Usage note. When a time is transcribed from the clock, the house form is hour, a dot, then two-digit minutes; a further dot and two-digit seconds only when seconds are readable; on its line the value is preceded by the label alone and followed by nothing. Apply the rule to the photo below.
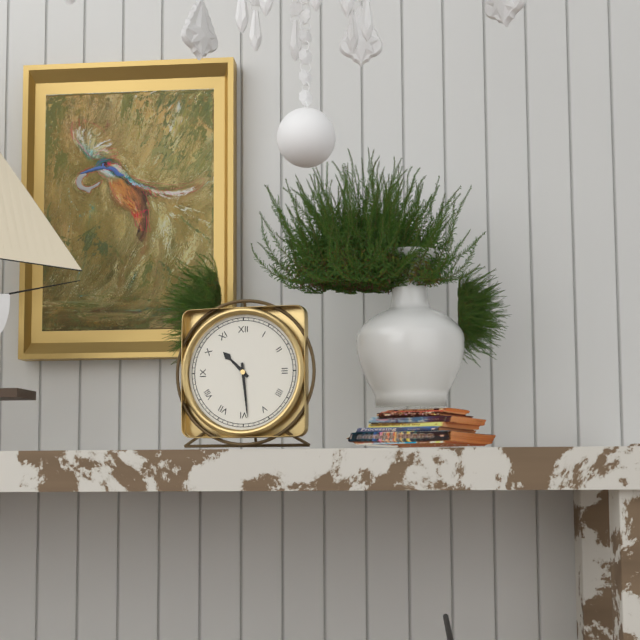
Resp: 10.29
